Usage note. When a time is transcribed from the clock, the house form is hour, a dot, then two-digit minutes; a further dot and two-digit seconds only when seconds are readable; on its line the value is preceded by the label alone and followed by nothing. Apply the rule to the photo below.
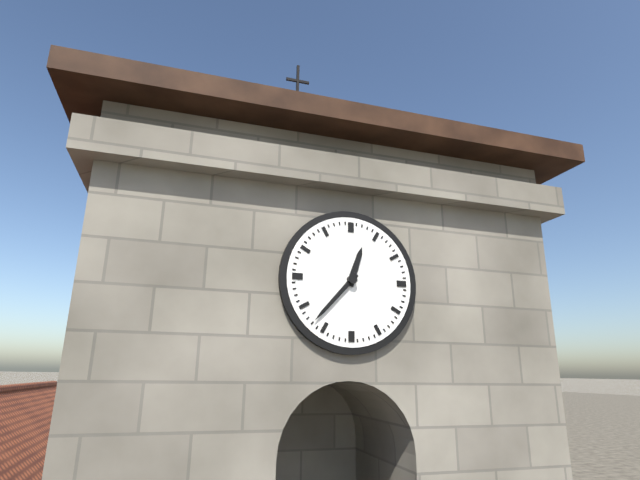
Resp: 12.37
